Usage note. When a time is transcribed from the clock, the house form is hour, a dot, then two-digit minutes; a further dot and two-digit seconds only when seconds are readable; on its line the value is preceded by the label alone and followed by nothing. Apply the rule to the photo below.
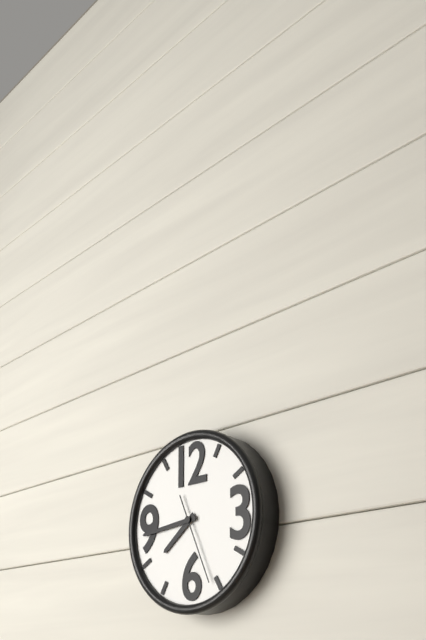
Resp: 7.44.26
